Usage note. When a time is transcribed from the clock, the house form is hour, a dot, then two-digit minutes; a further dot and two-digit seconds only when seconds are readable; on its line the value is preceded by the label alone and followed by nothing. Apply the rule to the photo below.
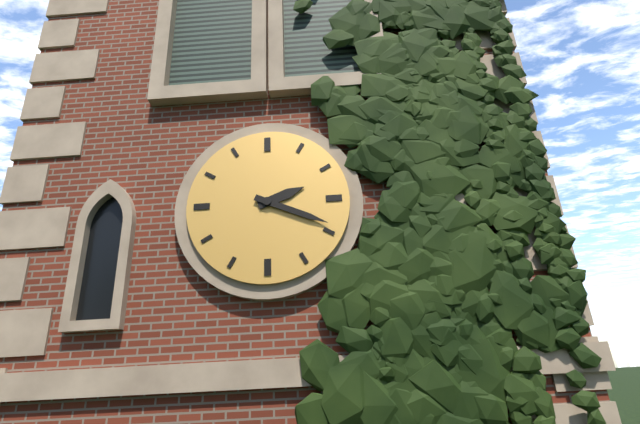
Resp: 2.19
